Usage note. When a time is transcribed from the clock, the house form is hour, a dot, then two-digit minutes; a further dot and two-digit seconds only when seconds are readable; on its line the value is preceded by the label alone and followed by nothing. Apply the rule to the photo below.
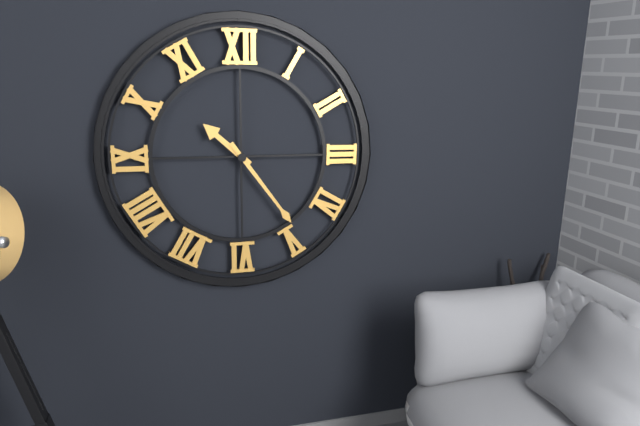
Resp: 10.24
